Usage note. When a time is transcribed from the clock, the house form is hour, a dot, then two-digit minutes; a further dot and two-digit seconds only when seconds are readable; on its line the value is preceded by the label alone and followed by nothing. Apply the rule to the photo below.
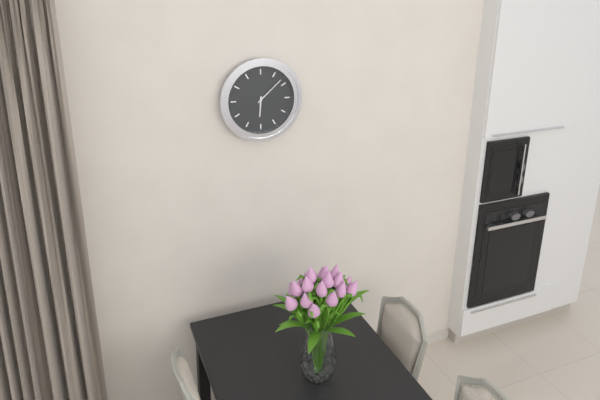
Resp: 6.08
